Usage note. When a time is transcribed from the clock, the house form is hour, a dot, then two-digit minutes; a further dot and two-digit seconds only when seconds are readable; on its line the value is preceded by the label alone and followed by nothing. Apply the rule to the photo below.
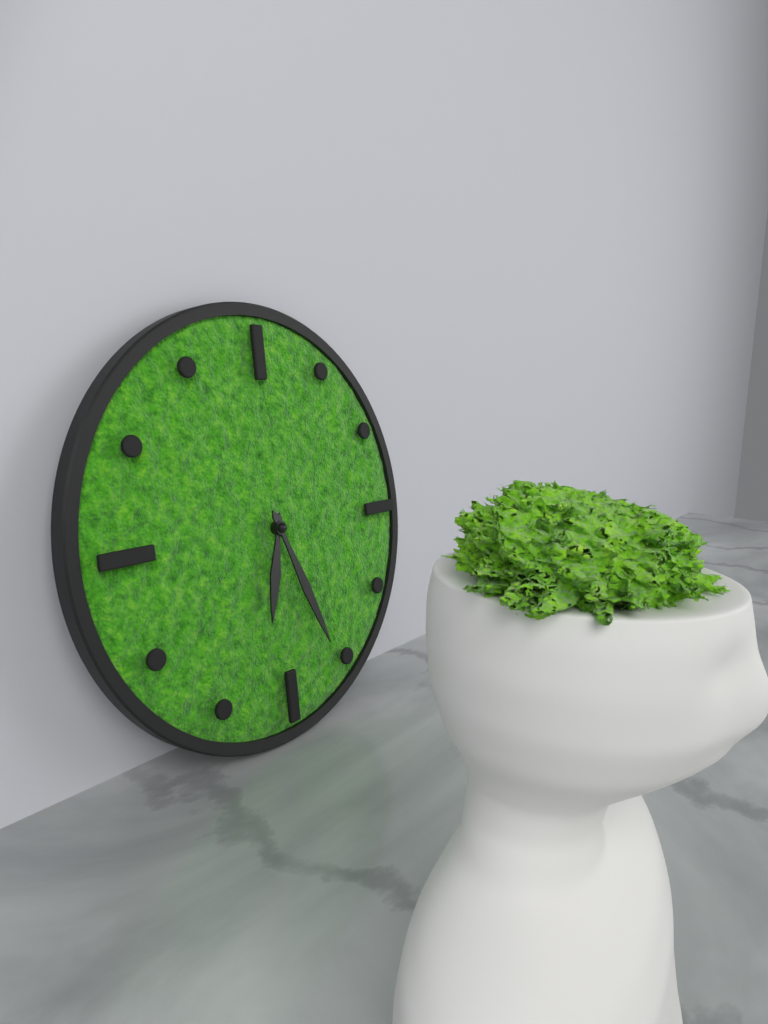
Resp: 6.26
